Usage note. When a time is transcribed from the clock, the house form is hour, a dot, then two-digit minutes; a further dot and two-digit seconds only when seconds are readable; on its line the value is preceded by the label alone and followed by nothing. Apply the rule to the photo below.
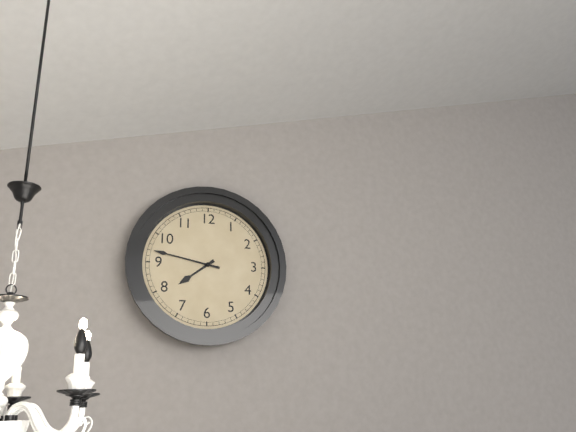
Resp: 7.47
